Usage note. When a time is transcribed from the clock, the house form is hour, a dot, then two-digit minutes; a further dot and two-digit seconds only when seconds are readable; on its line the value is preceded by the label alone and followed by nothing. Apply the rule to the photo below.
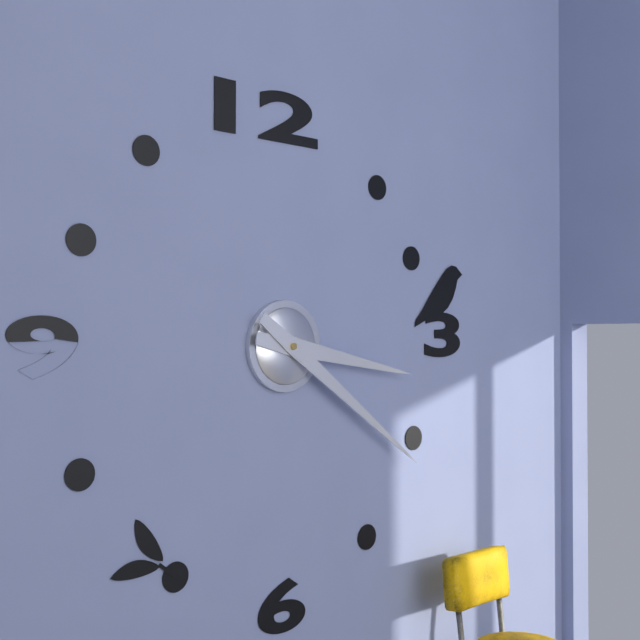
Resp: 3.21
